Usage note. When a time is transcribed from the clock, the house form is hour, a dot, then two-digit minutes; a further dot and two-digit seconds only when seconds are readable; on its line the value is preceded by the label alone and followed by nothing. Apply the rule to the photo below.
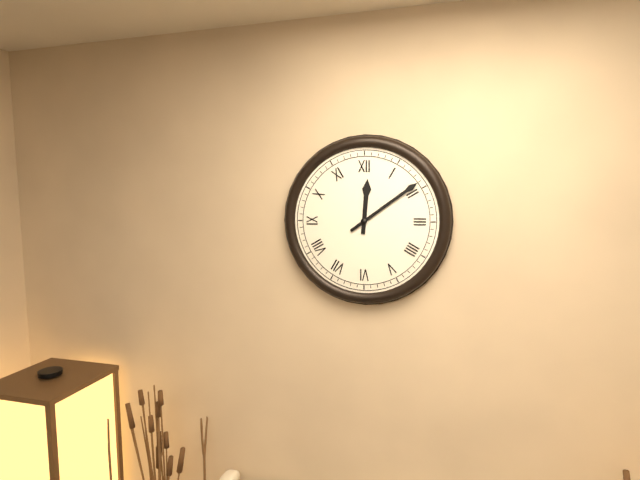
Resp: 12.09
